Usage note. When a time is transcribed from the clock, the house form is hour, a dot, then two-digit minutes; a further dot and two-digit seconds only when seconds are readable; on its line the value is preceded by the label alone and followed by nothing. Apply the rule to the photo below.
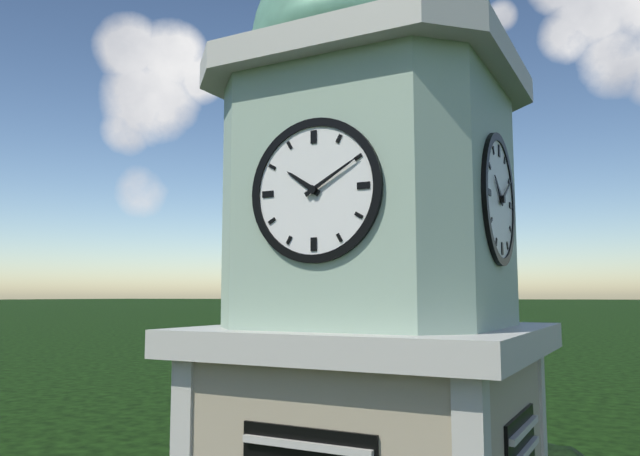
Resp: 10.10
